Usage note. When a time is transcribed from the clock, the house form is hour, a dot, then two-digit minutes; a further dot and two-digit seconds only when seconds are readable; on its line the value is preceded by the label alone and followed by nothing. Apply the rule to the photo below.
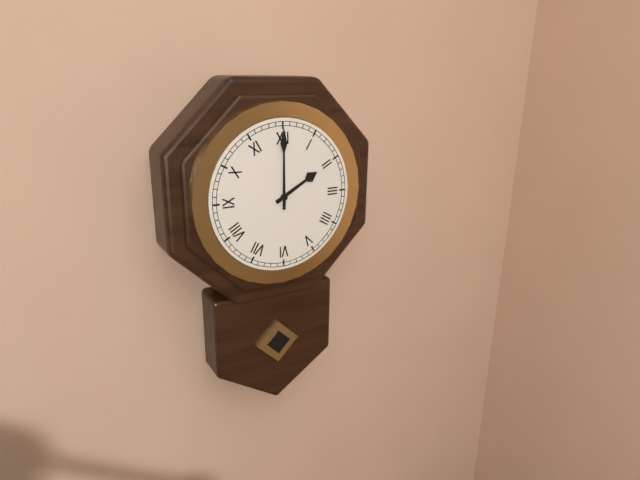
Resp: 2.00
